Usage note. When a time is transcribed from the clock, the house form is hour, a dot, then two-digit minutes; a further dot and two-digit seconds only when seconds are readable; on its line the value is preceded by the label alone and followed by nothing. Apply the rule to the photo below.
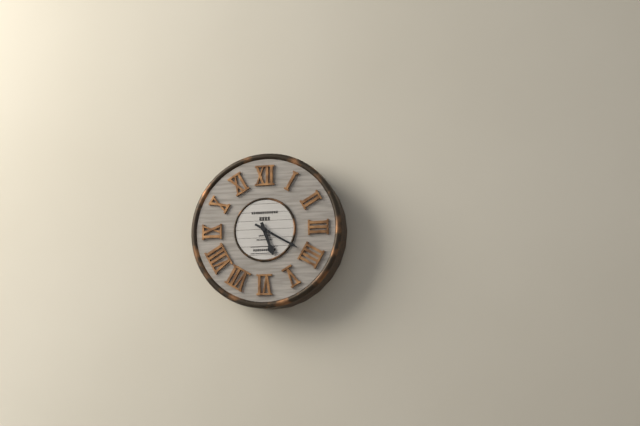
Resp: 5.20
